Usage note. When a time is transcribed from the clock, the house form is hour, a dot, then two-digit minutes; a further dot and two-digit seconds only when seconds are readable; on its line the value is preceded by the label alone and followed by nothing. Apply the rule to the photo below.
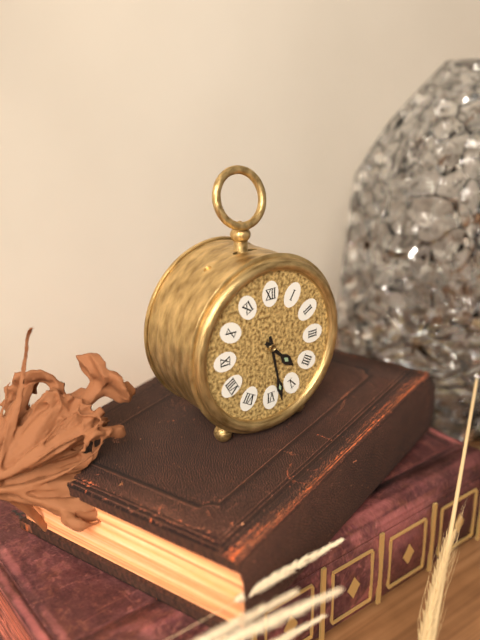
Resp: 4.28
